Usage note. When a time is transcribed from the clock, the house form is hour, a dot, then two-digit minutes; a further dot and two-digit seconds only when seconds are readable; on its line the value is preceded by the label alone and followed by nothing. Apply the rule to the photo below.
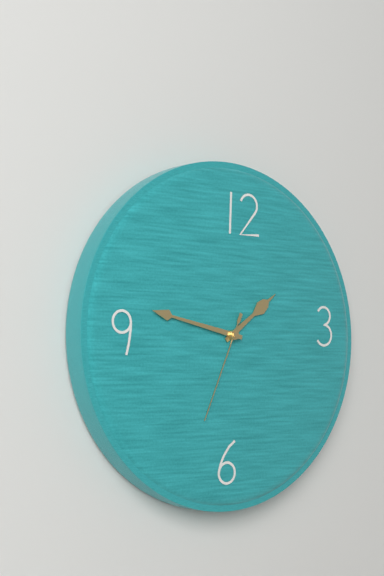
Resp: 1.47.34
